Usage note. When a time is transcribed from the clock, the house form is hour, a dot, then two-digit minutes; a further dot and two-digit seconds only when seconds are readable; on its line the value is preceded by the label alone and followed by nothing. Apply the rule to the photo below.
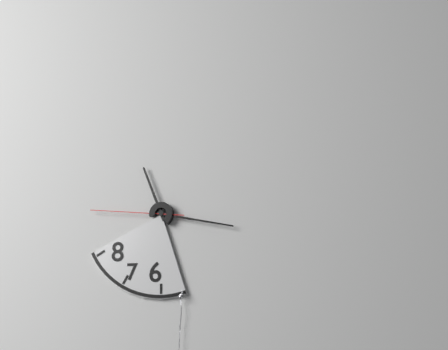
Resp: 11.17.46
